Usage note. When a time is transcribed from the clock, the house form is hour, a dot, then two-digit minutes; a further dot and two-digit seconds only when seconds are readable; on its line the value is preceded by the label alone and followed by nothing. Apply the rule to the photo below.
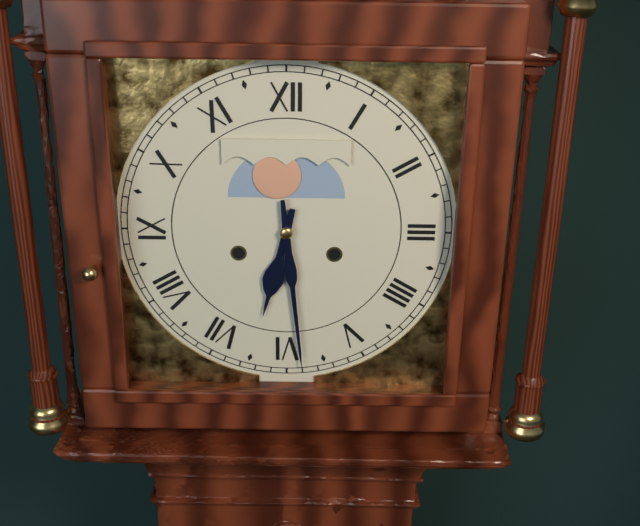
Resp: 6.29
